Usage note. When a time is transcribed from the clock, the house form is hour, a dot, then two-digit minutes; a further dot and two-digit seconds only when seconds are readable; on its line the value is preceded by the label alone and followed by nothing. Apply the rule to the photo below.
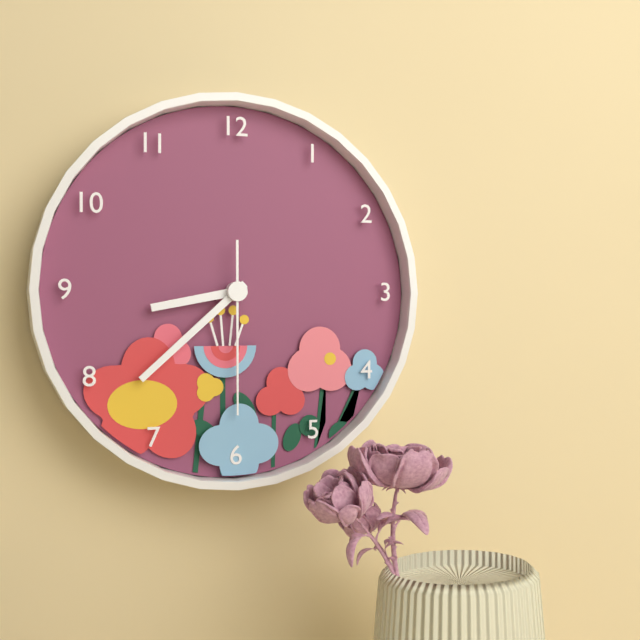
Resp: 8.38.30
